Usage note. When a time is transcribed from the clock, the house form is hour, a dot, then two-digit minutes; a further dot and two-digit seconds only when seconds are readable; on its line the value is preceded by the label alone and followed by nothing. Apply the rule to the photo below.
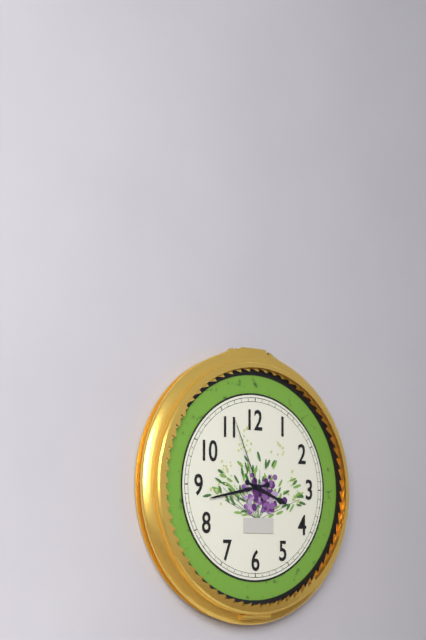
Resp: 3.43.56
